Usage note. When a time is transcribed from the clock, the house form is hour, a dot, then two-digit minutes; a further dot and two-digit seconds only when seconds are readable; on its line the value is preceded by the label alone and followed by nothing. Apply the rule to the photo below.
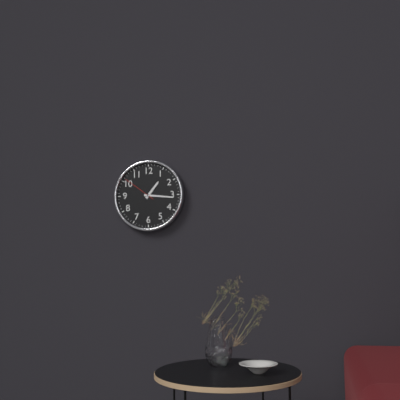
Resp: 1.16
